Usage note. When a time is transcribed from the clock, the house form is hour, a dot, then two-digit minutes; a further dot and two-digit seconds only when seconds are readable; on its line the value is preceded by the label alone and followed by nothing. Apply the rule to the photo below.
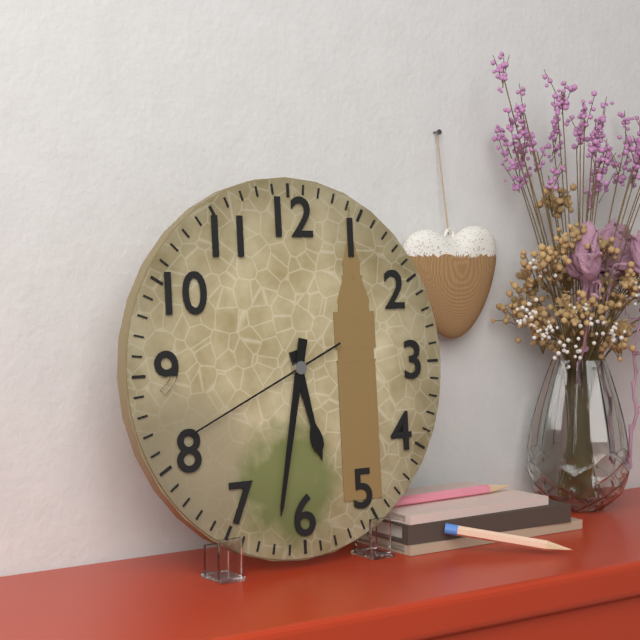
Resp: 5.32.41
